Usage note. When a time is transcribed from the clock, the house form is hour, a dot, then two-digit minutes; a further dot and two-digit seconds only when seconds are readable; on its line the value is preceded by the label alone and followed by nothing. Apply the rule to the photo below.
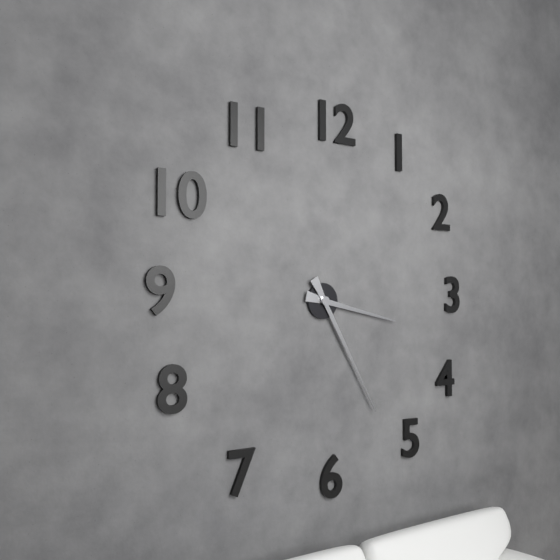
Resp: 3.25
